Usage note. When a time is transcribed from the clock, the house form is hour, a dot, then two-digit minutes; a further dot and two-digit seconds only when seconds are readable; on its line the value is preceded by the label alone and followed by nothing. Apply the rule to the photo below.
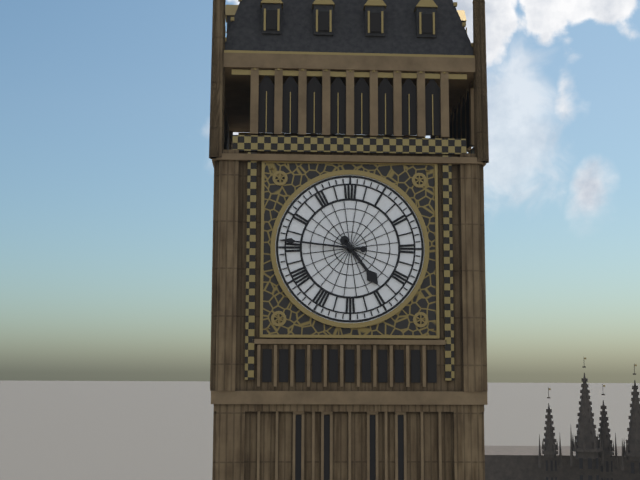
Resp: 4.46
